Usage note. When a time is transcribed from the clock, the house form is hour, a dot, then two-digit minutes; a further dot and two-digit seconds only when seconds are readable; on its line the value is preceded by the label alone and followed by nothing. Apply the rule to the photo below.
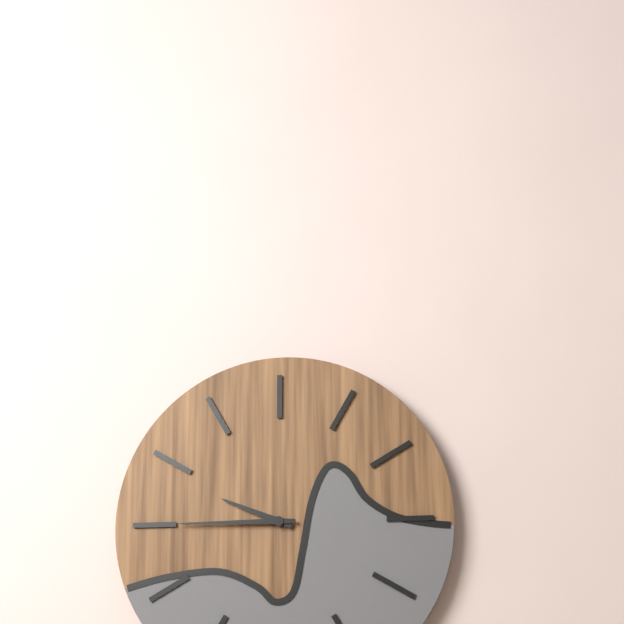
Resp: 9.45
